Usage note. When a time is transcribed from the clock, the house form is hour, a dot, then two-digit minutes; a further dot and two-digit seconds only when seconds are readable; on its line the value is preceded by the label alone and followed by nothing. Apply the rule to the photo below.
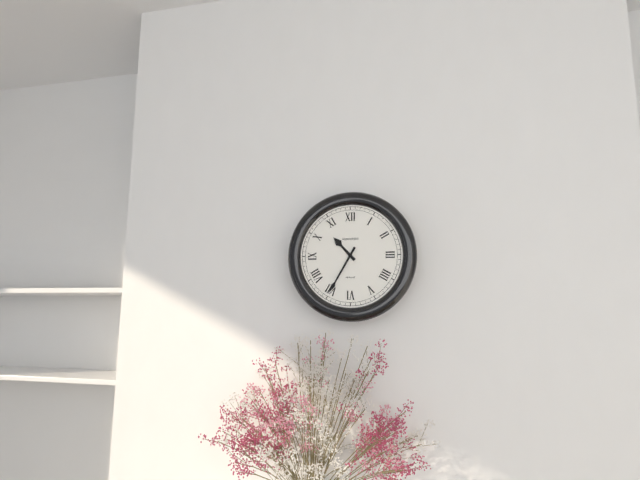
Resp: 10.35
